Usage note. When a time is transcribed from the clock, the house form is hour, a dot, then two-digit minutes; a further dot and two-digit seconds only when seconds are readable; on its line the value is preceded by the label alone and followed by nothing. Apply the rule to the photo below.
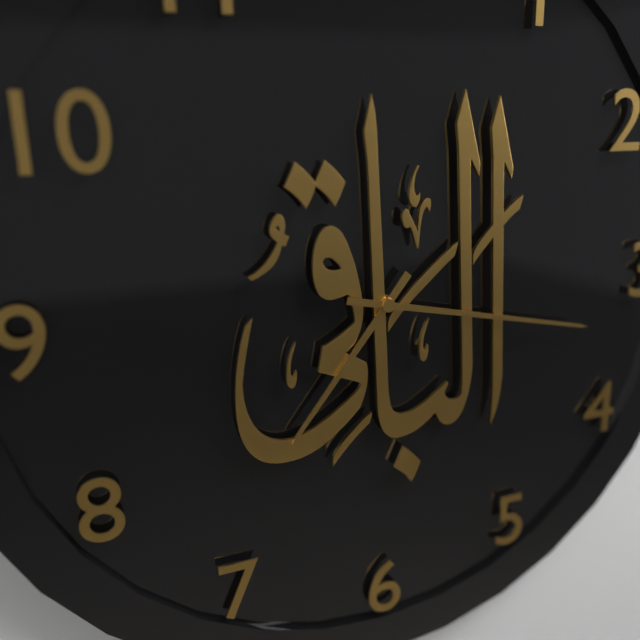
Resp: 7.17
